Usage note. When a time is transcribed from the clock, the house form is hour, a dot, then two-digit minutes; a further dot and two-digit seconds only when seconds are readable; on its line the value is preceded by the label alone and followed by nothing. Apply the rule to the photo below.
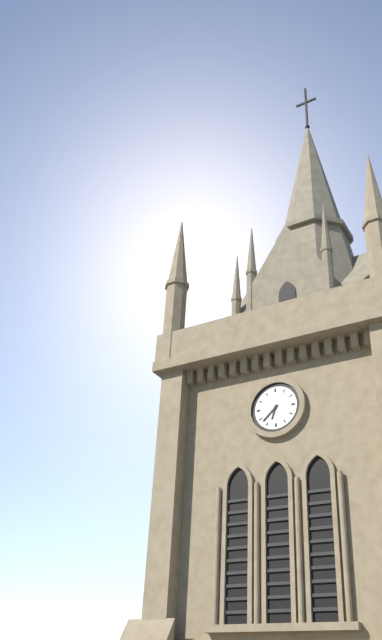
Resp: 6.38
